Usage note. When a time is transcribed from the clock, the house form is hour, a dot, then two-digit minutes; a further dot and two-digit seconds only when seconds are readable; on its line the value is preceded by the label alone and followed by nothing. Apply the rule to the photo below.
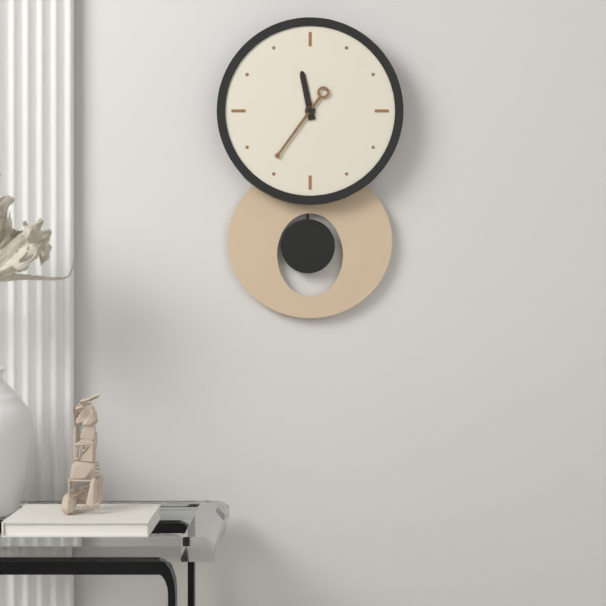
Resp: 11.36
